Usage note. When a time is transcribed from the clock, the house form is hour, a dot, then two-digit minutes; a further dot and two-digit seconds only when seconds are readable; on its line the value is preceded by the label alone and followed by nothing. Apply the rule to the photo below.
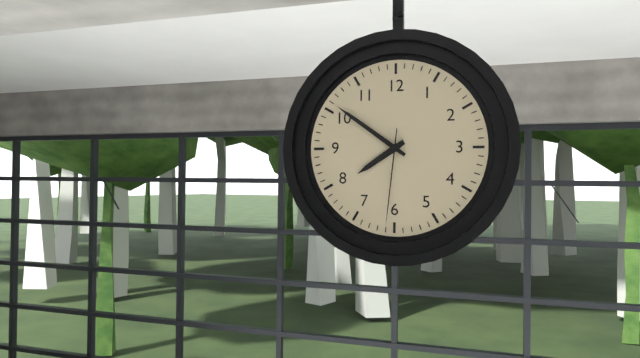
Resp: 7.51.31
